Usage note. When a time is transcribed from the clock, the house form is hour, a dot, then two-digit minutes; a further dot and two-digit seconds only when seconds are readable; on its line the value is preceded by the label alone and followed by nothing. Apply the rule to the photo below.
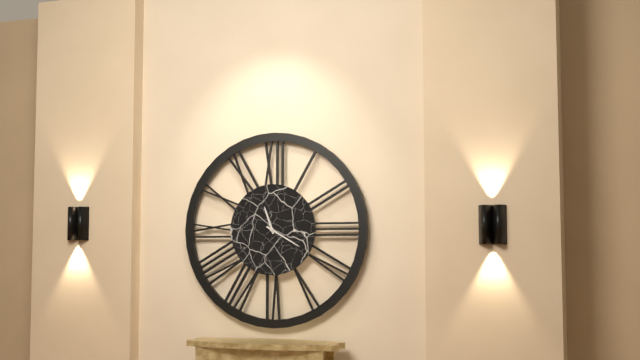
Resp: 11.20
